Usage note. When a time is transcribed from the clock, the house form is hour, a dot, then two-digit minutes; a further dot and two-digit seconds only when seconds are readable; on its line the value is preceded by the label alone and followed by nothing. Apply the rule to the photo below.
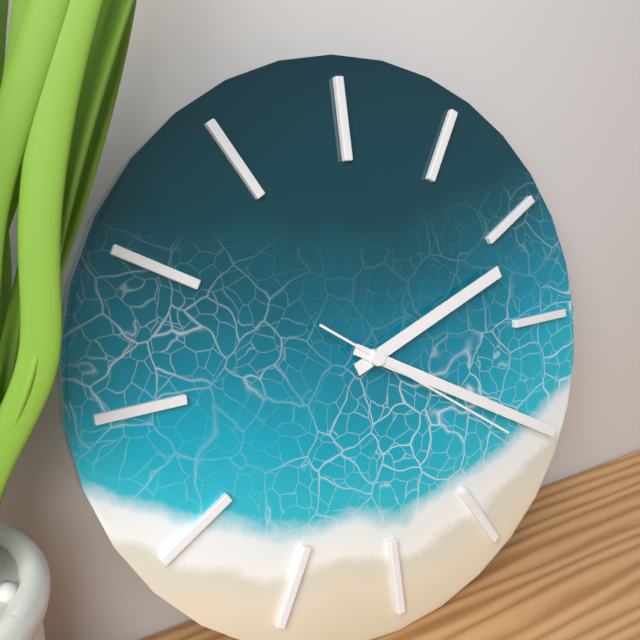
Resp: 2.20.21
